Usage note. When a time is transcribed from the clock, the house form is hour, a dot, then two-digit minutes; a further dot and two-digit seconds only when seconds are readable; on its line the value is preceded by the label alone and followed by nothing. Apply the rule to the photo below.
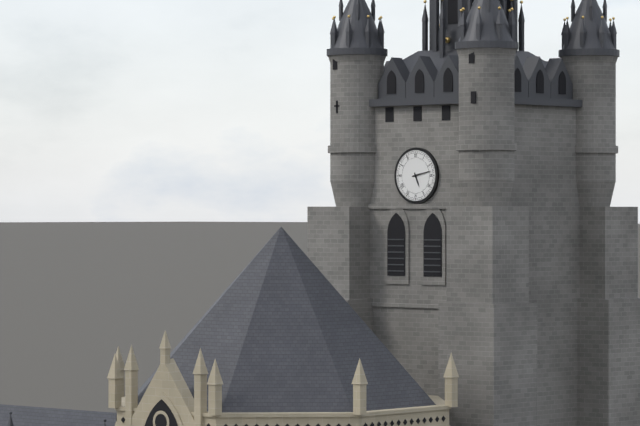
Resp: 5.13
